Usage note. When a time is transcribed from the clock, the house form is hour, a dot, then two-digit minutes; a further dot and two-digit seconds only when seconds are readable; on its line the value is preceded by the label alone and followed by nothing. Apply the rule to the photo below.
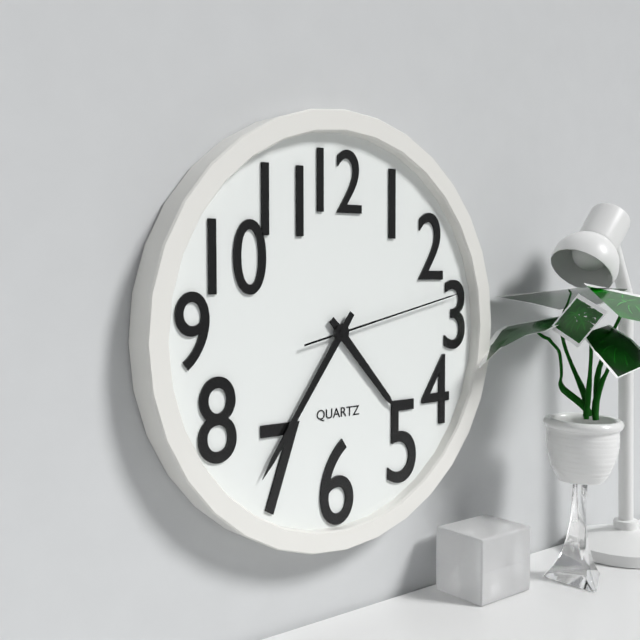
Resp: 4.36.13
